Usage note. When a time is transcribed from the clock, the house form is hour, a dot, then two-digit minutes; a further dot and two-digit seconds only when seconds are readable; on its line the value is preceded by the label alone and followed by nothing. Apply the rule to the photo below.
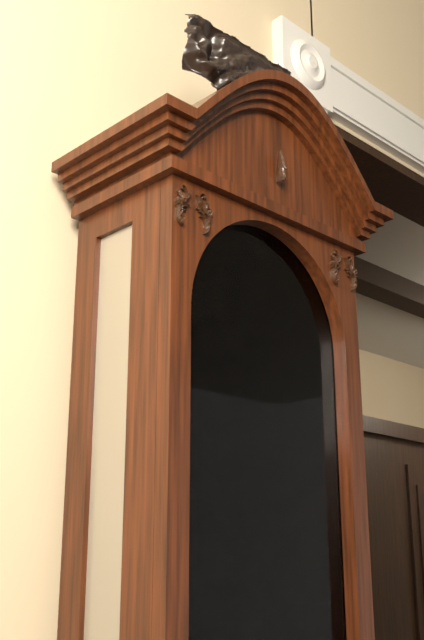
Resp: 4.43
